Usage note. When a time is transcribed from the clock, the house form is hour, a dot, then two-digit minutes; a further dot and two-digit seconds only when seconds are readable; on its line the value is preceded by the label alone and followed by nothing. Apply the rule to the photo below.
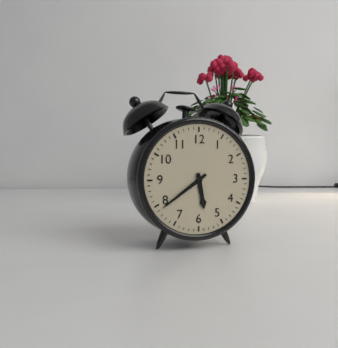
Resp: 5.39
